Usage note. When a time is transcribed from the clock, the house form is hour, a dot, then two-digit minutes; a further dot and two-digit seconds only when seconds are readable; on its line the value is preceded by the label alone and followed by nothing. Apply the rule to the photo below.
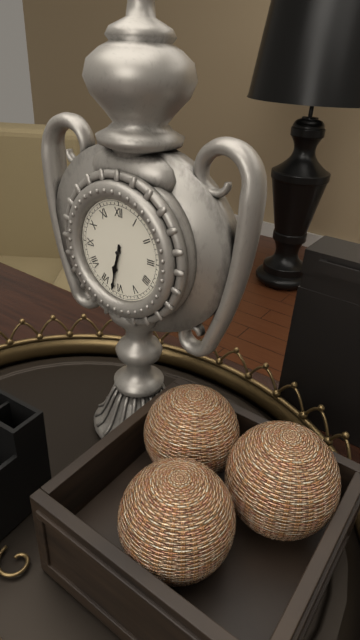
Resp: 6.32
